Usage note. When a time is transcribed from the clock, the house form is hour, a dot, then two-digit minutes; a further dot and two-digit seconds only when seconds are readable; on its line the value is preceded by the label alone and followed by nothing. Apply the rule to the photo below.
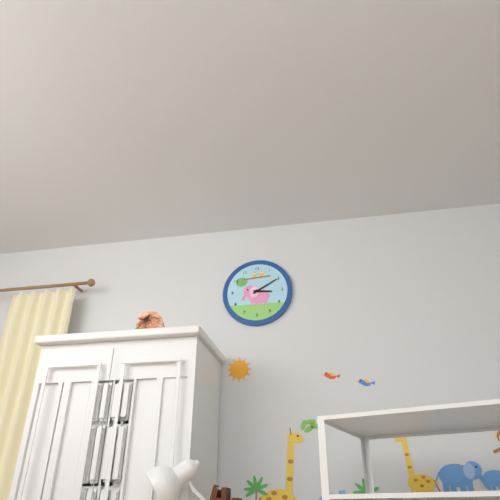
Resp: 3.10
